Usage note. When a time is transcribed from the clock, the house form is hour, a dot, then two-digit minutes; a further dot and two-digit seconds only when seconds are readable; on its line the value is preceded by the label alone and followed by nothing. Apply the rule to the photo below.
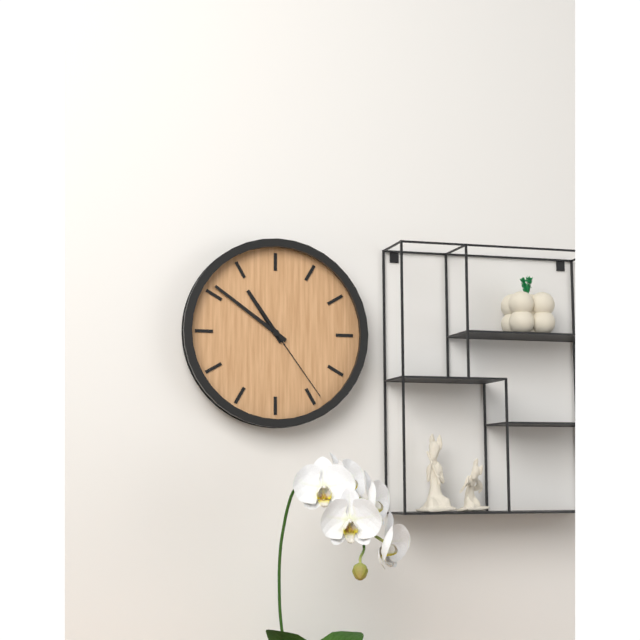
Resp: 10.51.24
